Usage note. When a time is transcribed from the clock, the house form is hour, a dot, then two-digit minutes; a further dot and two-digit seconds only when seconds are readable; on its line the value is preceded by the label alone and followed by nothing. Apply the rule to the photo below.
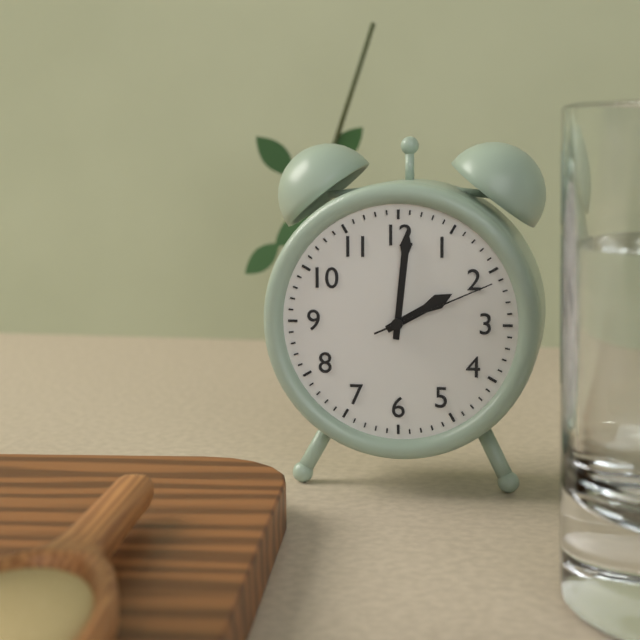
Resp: 2.01.11
